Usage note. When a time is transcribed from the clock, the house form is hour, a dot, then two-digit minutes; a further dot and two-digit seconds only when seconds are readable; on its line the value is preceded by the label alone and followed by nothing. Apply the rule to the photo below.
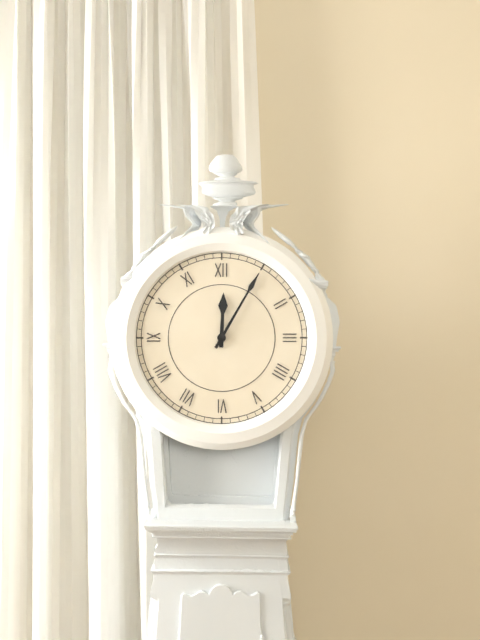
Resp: 12.05
